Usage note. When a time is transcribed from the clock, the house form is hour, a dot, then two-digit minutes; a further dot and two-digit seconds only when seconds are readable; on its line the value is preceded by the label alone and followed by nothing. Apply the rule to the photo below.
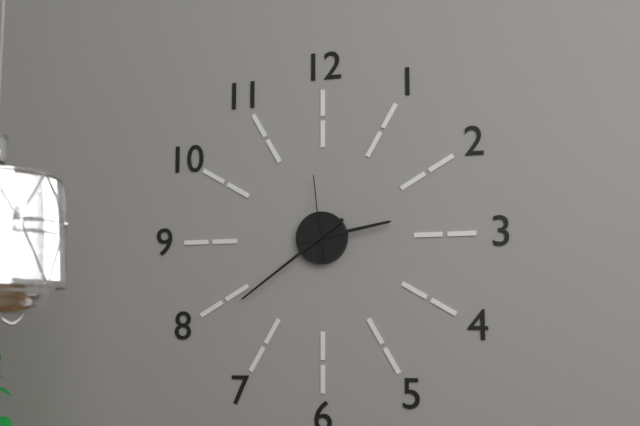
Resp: 2.39.59
